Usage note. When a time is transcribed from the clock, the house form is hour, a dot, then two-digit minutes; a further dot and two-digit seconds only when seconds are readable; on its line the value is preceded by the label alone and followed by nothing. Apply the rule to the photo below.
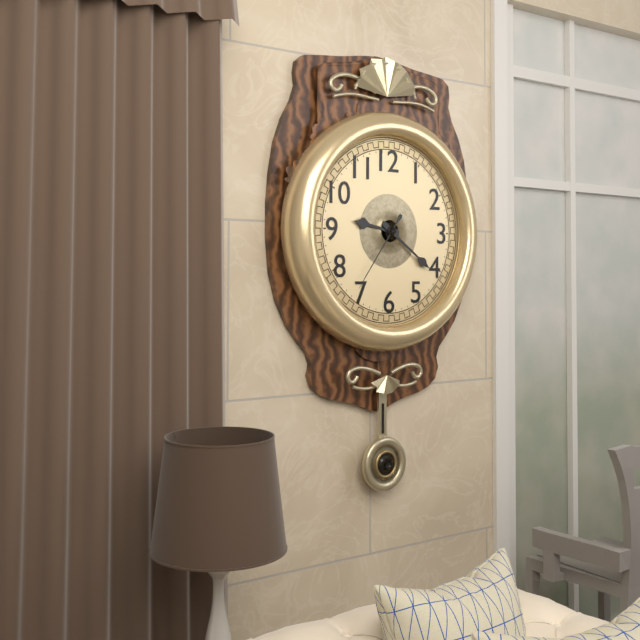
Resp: 9.21.36
